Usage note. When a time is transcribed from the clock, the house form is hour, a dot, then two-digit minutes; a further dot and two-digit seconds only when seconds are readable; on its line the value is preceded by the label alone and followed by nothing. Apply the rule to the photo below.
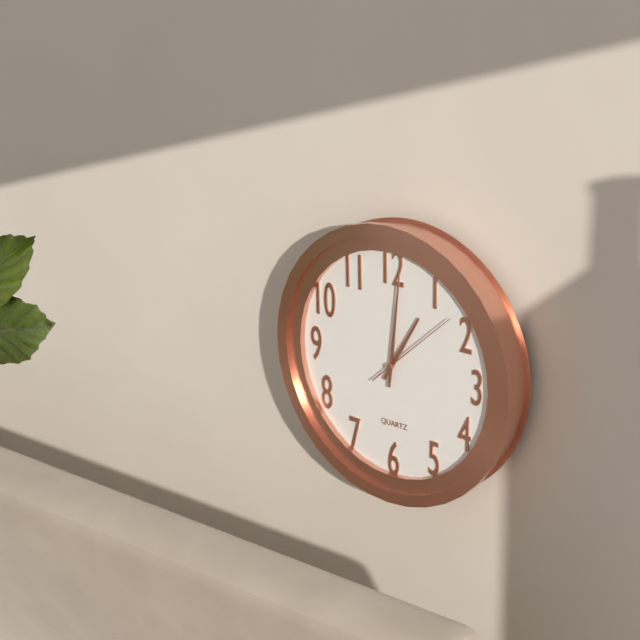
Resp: 1.01.08
